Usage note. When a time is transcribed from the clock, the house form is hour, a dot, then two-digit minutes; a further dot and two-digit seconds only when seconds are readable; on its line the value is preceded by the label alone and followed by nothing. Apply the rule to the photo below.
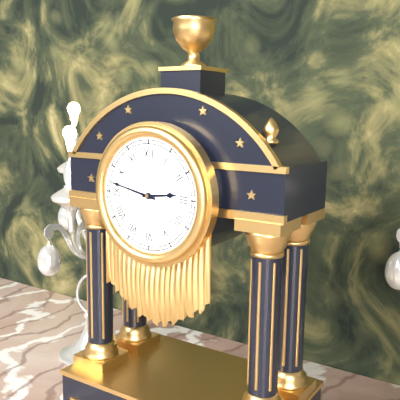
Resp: 2.47
